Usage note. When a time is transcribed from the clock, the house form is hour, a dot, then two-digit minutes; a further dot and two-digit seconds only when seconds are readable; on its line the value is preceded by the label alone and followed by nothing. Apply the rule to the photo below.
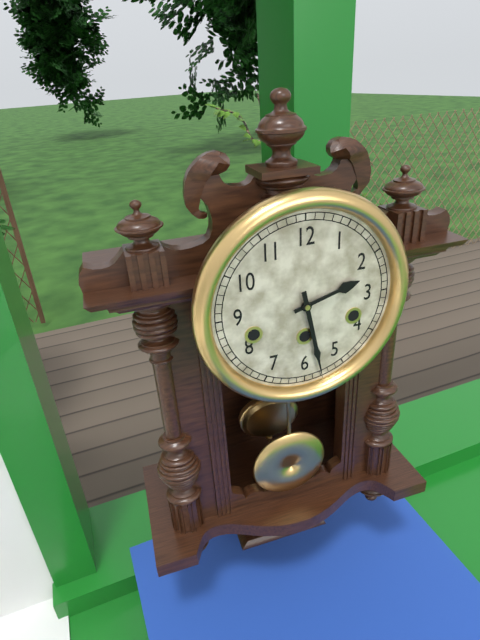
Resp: 2.28
